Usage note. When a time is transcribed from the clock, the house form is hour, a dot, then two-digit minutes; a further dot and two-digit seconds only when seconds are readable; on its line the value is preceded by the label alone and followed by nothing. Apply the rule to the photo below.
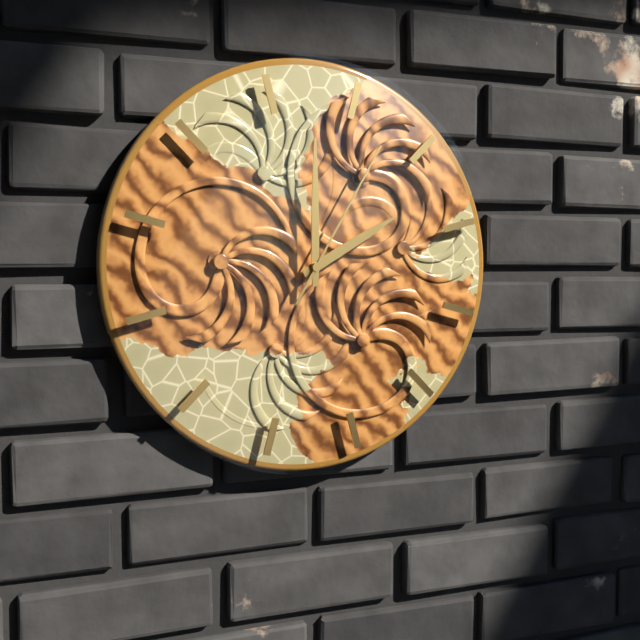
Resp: 2.00.05
